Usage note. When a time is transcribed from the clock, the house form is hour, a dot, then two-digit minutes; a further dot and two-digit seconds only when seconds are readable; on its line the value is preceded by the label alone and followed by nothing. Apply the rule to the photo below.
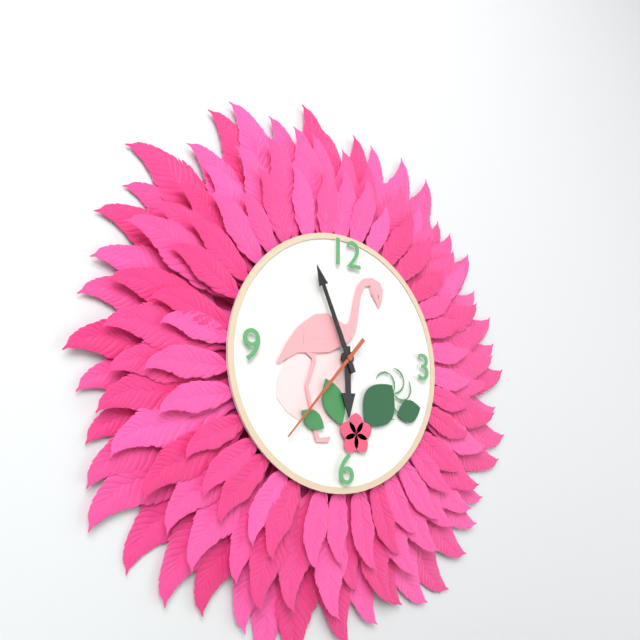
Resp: 5.56.37
